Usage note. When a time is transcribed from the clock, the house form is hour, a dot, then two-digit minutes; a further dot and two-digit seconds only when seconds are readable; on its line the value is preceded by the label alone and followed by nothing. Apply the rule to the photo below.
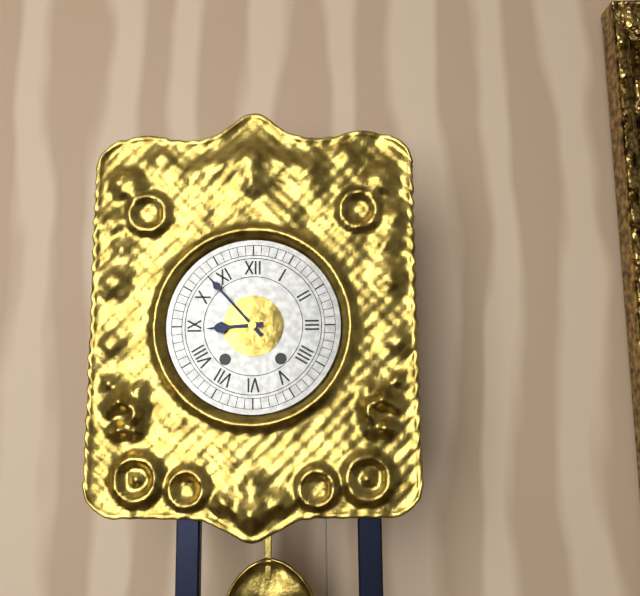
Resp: 8.53
